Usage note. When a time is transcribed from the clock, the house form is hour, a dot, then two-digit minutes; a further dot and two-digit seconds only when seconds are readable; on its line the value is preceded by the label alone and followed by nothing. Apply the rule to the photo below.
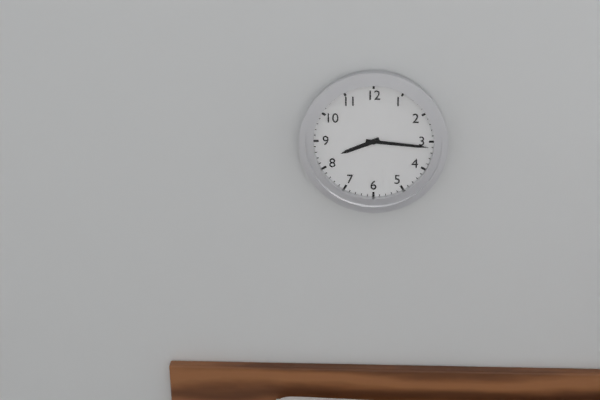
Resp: 8.16
